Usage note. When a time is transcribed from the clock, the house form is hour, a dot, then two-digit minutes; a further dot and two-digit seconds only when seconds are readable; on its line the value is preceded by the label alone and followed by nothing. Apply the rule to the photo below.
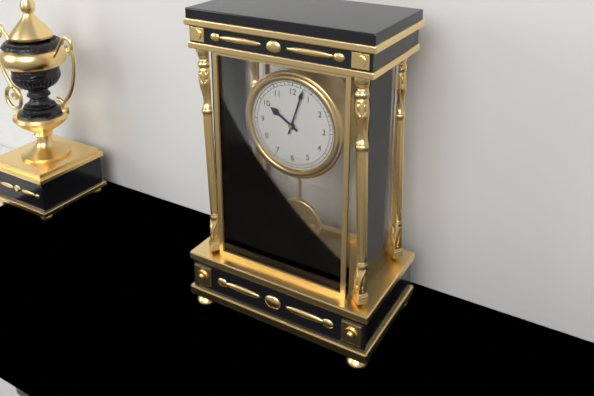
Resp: 10.03
